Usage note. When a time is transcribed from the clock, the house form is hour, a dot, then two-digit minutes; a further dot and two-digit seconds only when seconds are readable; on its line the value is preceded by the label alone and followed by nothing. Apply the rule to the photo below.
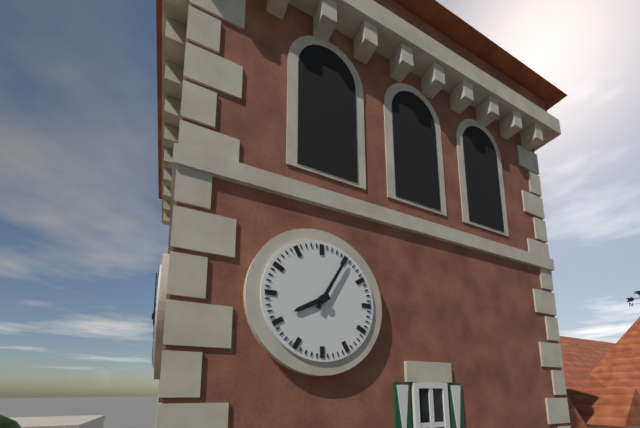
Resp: 8.05
